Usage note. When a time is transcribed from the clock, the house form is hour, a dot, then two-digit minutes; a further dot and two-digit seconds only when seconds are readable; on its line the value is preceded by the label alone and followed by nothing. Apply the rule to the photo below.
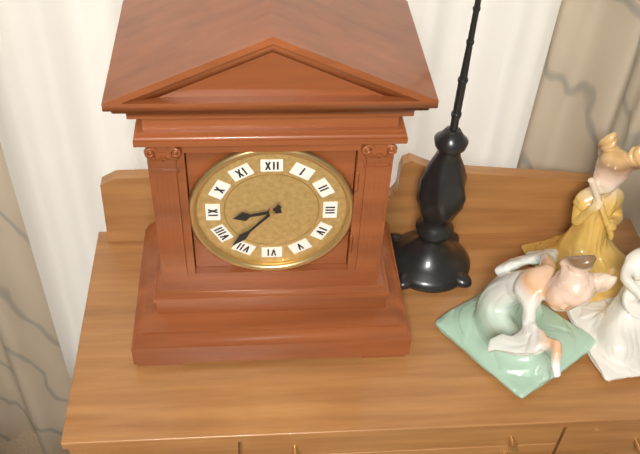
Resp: 8.37
